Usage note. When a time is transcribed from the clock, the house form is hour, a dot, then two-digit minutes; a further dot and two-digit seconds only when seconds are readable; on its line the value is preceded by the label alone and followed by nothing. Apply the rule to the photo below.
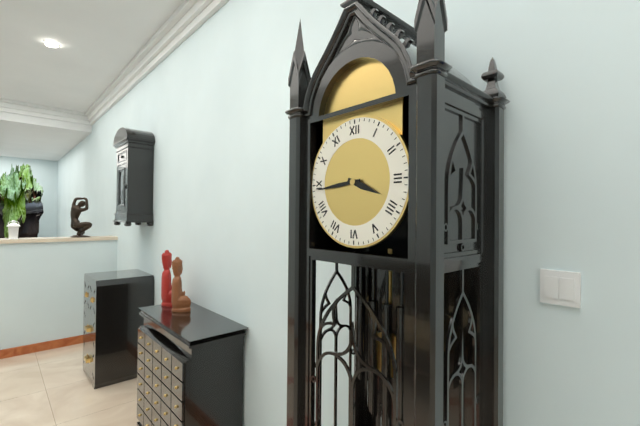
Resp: 3.44
